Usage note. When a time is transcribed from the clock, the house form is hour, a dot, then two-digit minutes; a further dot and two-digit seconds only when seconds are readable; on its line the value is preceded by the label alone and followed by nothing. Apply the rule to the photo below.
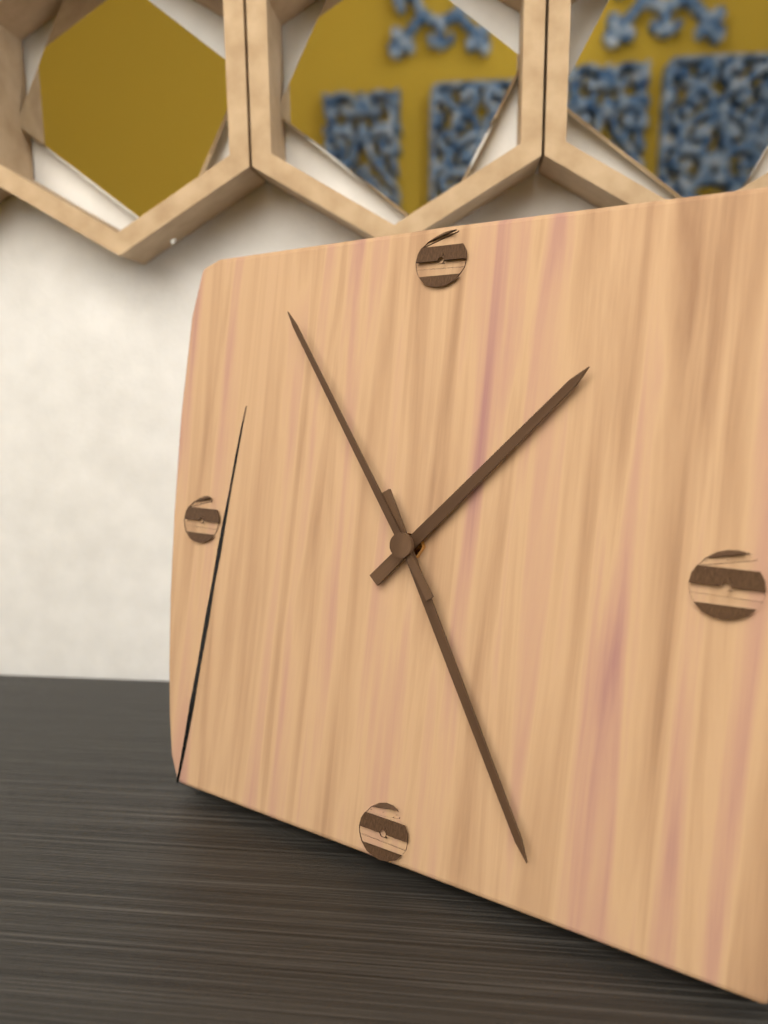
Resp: 1.25.54
